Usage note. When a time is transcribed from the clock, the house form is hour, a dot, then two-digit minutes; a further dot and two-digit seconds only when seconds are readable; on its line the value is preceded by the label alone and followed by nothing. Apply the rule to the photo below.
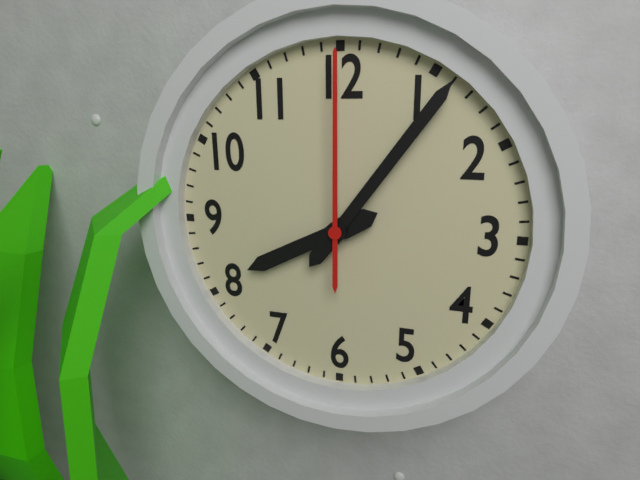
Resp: 8.06.00
